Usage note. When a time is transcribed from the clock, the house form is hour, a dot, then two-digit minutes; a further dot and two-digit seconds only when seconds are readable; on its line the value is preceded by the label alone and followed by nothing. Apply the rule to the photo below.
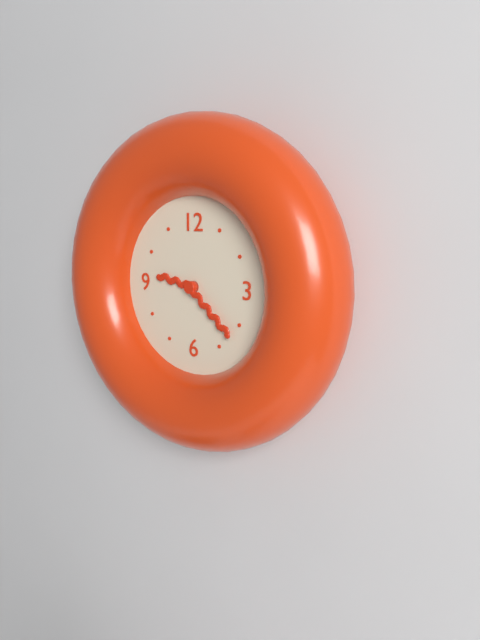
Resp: 9.22
